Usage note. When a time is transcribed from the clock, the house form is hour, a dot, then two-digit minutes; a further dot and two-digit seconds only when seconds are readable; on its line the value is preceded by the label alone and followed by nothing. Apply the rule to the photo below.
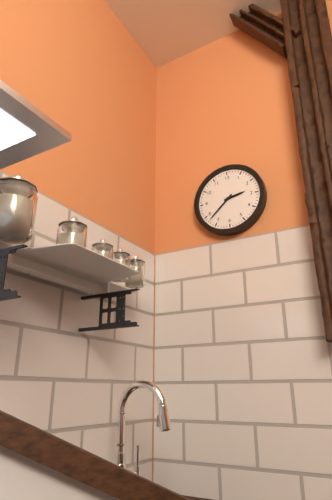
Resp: 2.38
